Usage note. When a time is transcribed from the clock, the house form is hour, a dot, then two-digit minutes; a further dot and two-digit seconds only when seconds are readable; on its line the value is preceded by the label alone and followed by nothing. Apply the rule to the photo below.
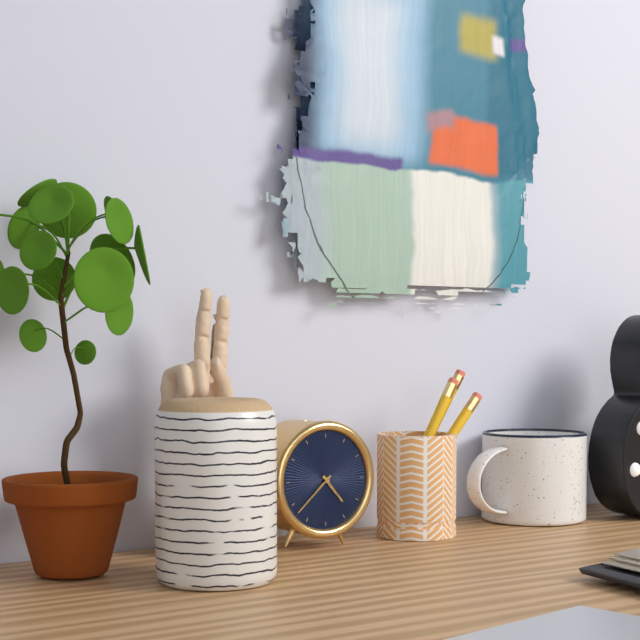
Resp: 4.38
